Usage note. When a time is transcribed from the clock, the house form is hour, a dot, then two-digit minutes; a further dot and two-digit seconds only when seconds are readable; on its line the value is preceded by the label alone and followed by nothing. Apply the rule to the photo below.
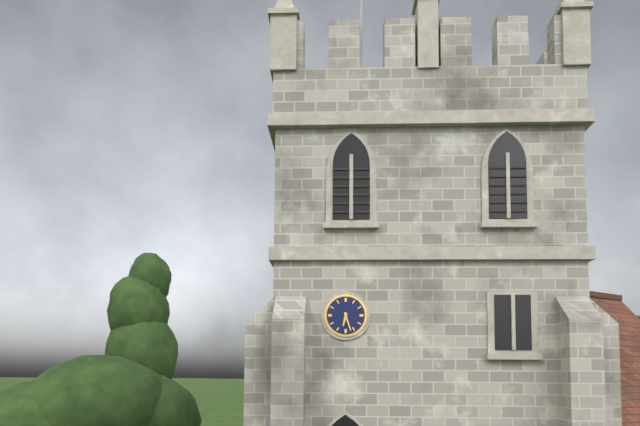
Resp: 6.27
